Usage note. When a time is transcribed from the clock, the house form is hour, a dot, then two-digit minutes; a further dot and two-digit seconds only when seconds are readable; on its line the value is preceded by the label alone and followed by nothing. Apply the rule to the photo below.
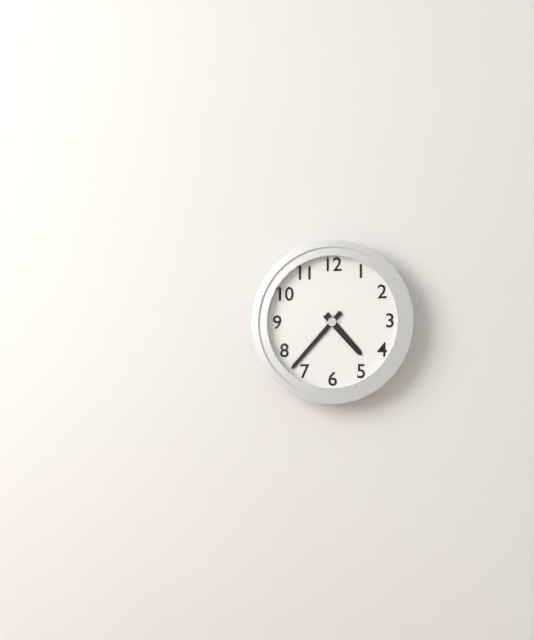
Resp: 4.37
